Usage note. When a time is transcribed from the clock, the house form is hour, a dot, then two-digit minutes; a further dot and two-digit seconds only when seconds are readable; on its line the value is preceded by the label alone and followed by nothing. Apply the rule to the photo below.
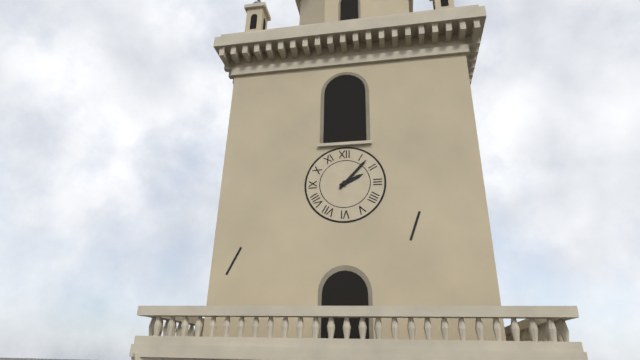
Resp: 2.07
